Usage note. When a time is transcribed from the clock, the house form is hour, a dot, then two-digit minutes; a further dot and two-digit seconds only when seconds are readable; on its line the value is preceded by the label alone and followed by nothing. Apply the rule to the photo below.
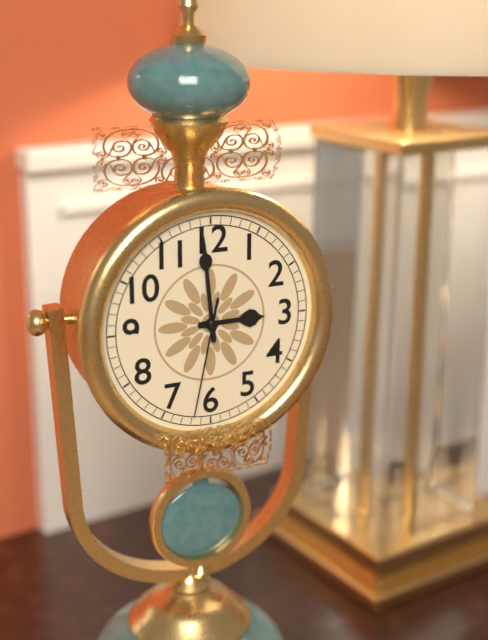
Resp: 2.59.32
